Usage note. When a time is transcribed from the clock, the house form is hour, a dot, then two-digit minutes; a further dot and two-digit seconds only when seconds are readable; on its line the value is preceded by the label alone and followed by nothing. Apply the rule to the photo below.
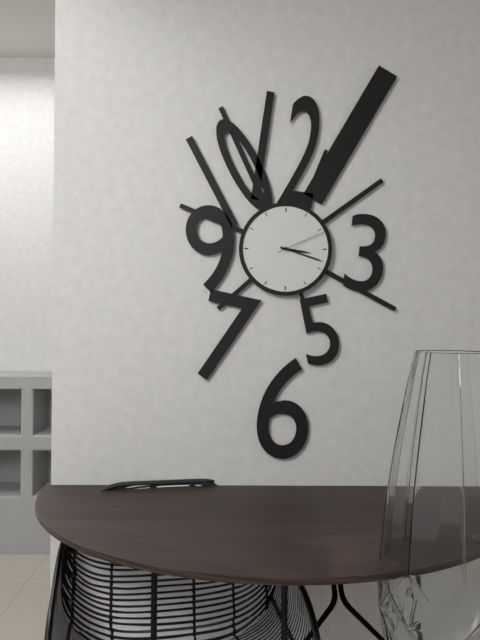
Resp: 3.18.11
